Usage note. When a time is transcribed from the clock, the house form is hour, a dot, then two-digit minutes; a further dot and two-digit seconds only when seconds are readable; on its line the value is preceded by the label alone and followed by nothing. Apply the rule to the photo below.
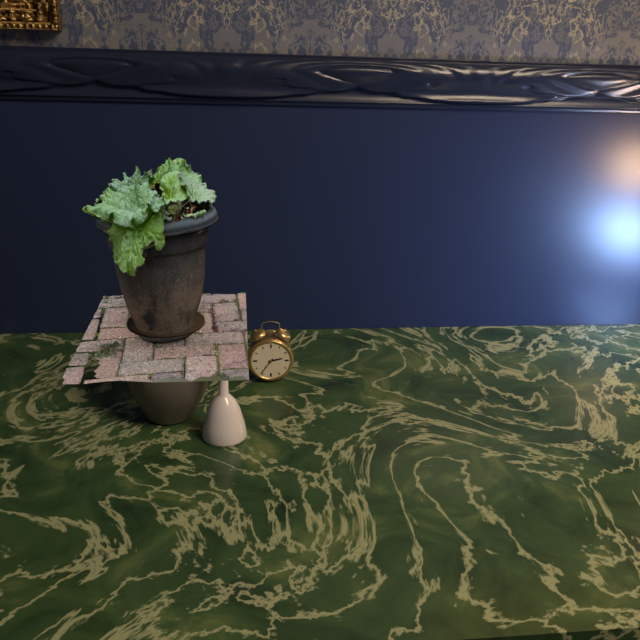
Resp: 2.36
